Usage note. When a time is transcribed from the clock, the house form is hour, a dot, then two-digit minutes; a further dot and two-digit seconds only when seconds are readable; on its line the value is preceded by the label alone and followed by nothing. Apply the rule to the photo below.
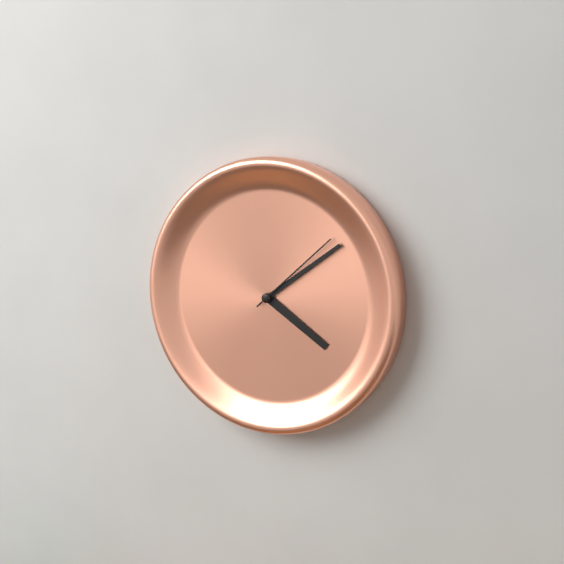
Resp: 4.09.08
